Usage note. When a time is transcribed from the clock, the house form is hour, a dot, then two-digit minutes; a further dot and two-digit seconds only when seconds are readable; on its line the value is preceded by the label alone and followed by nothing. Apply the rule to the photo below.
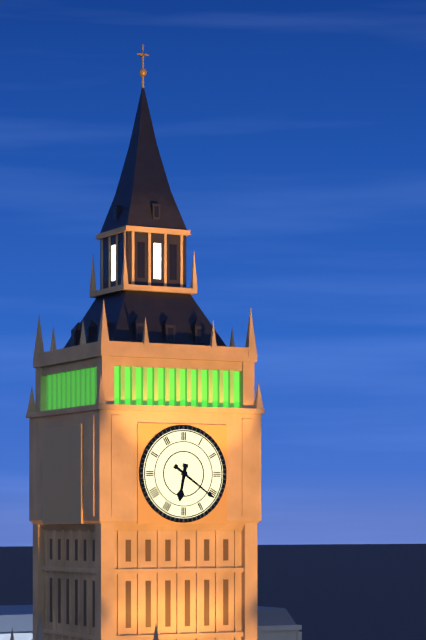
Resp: 6.21
